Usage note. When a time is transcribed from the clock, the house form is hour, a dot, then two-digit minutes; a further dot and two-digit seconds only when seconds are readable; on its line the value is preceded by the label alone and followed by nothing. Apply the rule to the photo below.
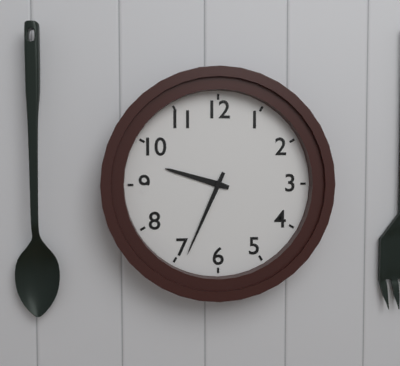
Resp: 9.34
